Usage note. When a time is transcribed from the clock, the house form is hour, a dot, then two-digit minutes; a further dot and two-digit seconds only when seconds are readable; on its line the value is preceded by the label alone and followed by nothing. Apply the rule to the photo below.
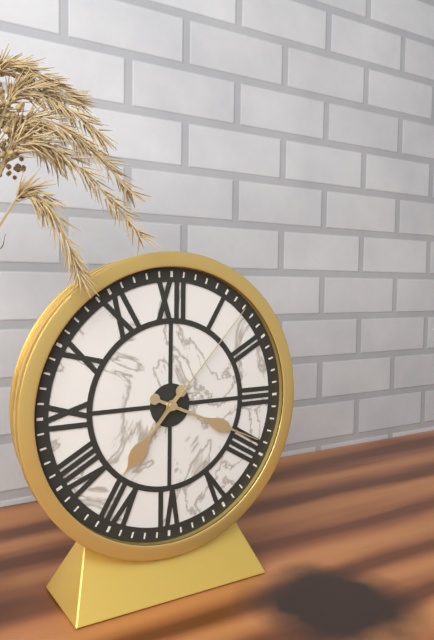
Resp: 7.19.07
